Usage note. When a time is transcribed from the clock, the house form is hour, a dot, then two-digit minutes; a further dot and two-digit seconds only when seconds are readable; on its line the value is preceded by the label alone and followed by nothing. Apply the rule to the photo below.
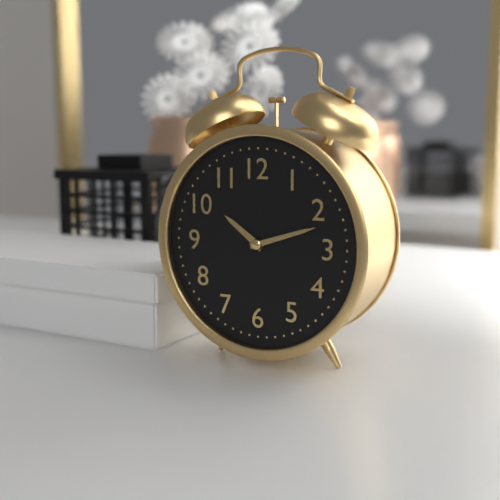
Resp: 10.12
